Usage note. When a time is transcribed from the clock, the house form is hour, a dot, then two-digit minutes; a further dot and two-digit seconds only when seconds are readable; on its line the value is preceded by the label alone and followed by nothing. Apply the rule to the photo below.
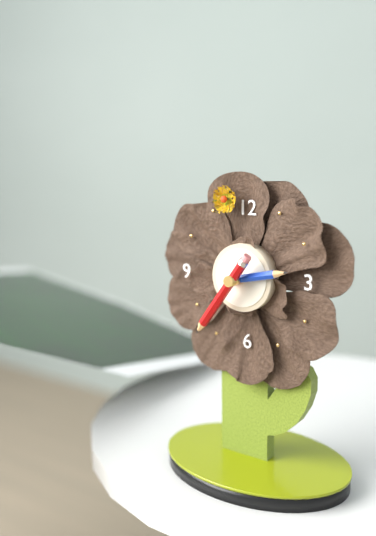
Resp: 2.36
